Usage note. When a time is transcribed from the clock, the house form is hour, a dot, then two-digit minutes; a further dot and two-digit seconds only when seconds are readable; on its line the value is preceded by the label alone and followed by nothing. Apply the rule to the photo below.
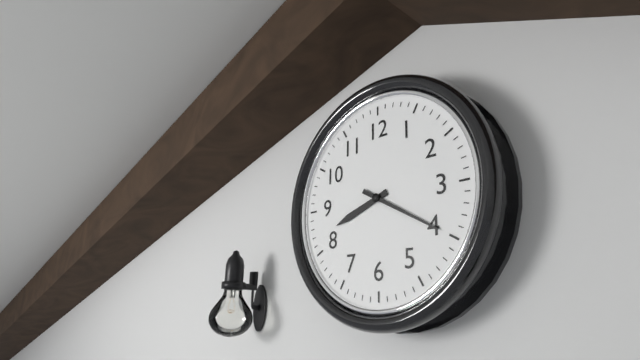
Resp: 8.20
